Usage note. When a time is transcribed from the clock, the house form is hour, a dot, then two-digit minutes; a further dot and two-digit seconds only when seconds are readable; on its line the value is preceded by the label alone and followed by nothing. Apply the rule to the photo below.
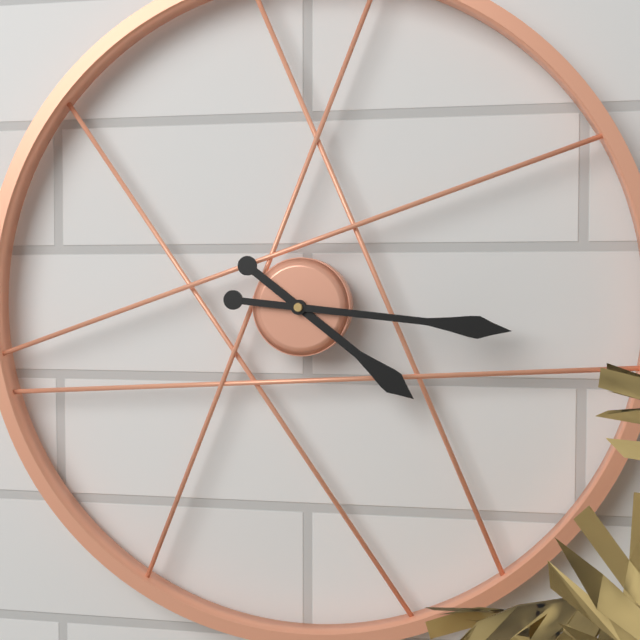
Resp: 4.16
